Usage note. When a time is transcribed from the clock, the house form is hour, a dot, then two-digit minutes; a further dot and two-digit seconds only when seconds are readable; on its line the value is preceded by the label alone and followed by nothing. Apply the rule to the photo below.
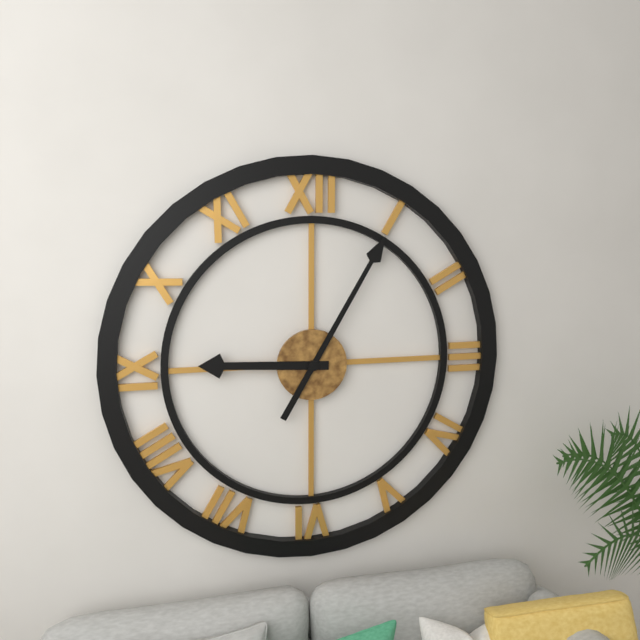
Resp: 9.05
